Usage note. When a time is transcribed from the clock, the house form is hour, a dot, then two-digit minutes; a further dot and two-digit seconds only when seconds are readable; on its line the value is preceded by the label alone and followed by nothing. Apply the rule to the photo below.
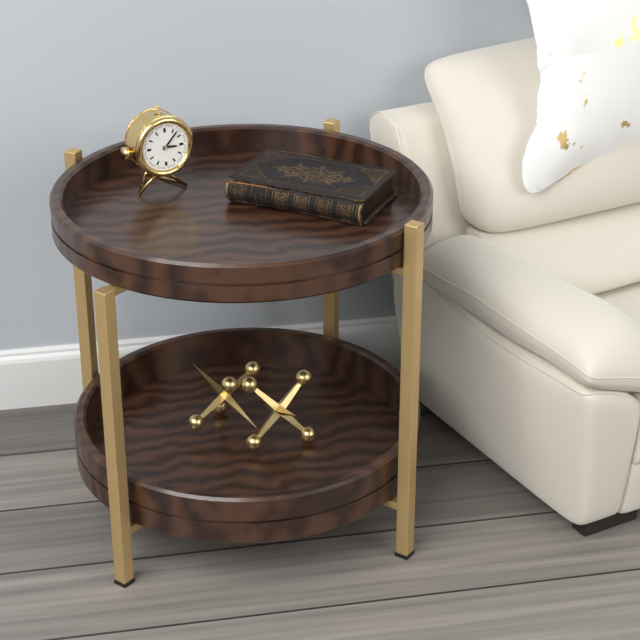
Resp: 3.07
